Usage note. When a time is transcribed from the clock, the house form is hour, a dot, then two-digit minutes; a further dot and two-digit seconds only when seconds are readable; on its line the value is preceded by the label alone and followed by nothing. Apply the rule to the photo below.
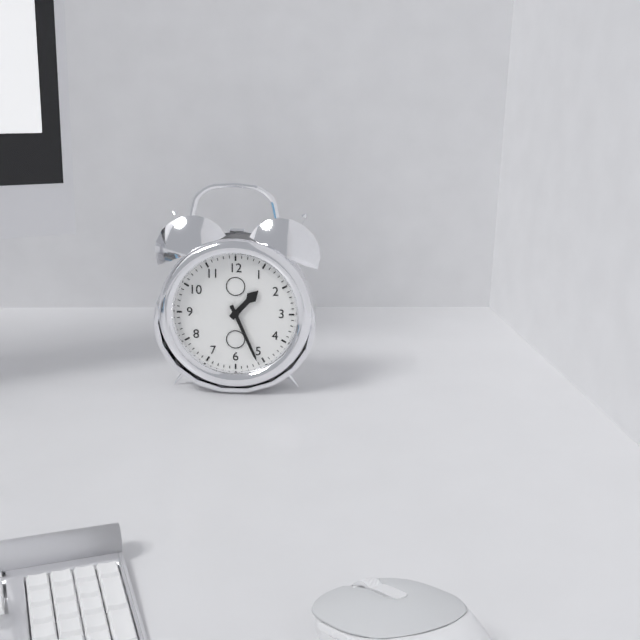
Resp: 1.26
